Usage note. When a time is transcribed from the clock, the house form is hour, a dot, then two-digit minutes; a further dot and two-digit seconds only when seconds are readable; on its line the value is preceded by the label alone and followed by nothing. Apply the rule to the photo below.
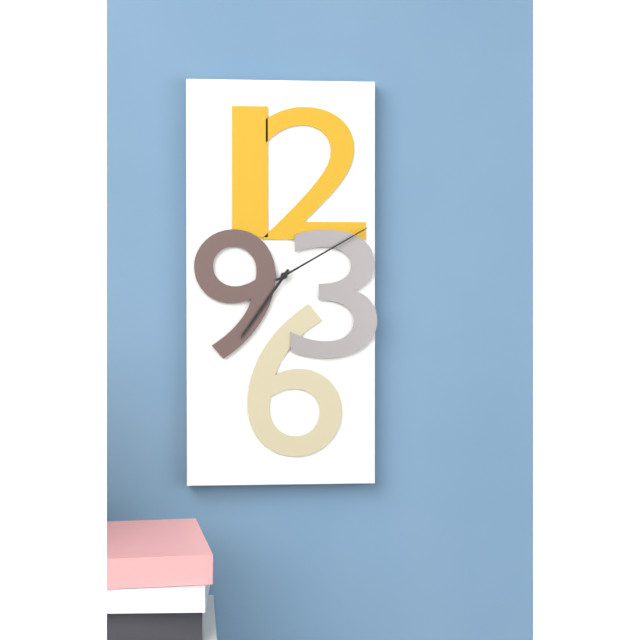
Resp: 7.10
